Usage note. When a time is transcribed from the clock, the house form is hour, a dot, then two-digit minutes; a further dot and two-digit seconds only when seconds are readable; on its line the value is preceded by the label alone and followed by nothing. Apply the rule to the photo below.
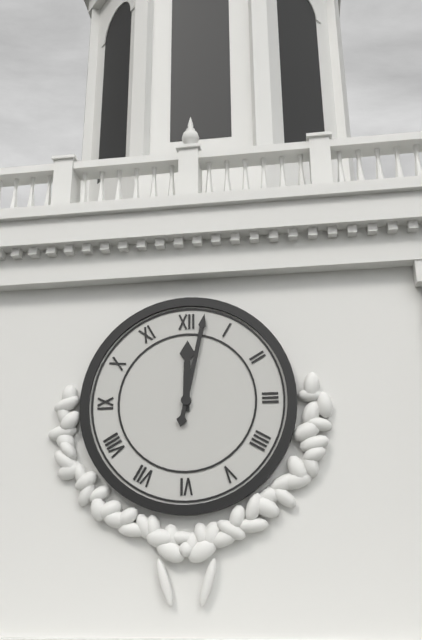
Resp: 12.02
